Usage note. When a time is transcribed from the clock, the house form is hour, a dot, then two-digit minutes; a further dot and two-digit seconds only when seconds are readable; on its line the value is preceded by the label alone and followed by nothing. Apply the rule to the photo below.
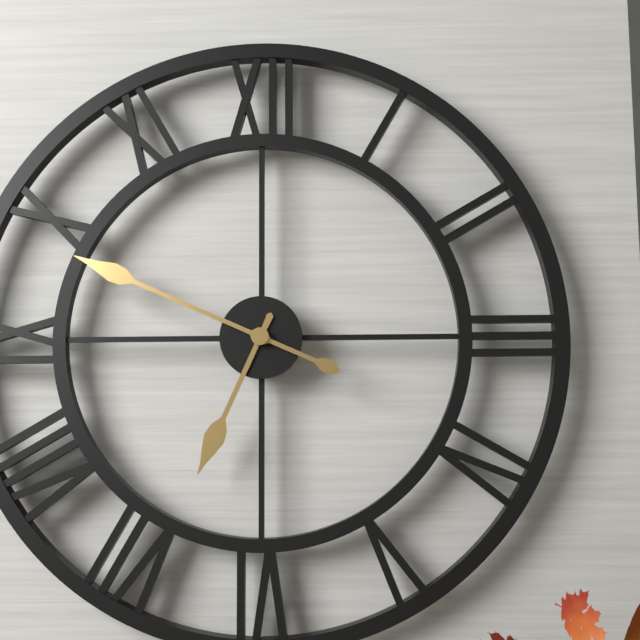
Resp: 6.49
